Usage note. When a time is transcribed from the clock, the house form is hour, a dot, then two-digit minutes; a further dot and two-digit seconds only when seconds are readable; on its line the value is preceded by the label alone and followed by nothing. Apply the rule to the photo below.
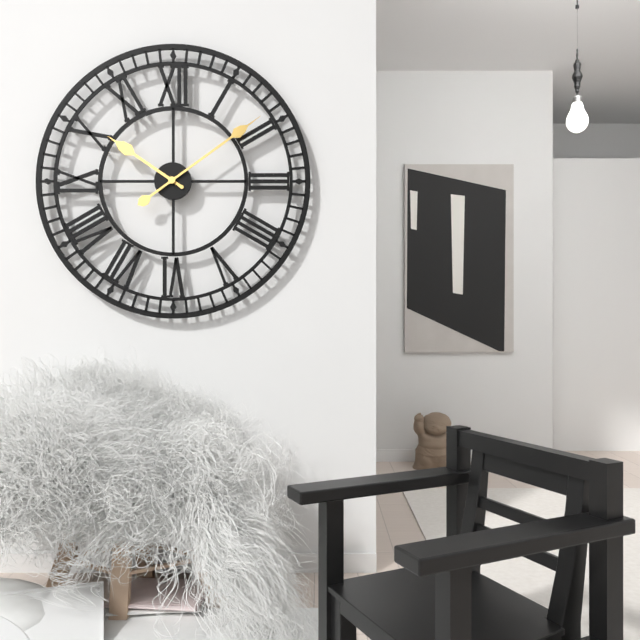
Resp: 10.09
